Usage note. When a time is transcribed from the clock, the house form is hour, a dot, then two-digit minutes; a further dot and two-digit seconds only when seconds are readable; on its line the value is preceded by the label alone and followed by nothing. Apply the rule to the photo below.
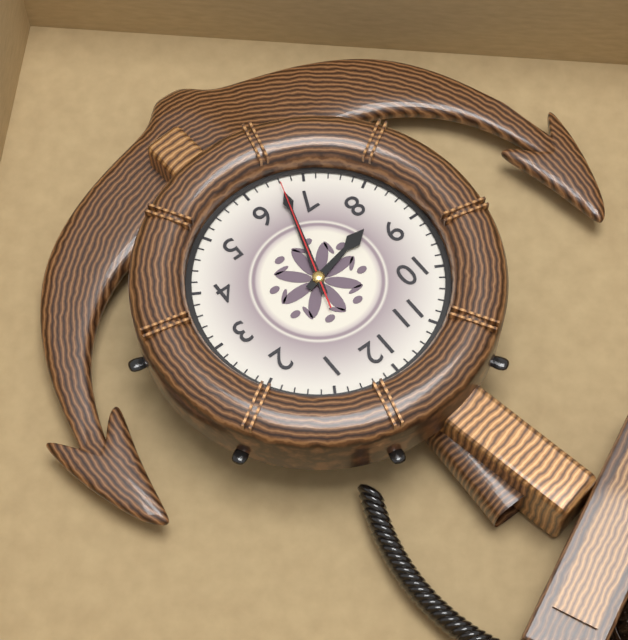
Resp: 8.33.33
